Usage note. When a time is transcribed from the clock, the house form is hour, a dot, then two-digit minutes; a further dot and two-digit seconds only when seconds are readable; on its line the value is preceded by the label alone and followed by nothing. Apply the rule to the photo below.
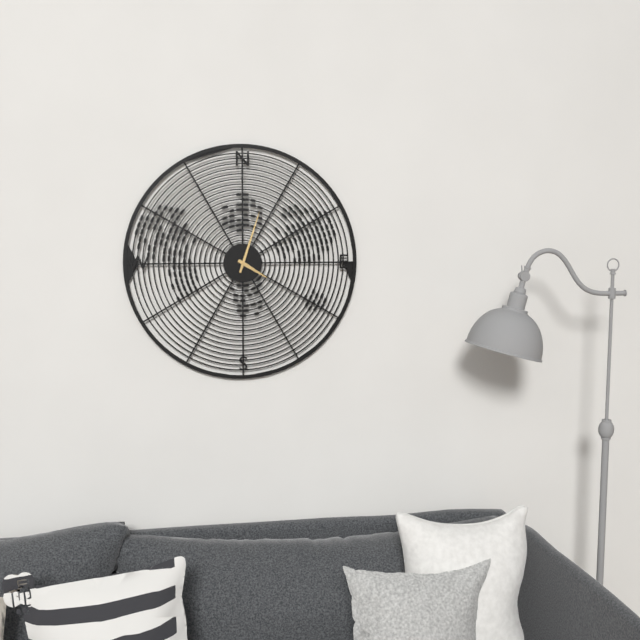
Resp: 4.03
